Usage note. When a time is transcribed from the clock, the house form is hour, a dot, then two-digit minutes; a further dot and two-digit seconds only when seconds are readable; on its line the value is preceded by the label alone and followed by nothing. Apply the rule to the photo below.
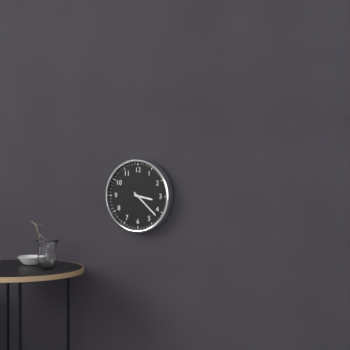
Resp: 3.22
